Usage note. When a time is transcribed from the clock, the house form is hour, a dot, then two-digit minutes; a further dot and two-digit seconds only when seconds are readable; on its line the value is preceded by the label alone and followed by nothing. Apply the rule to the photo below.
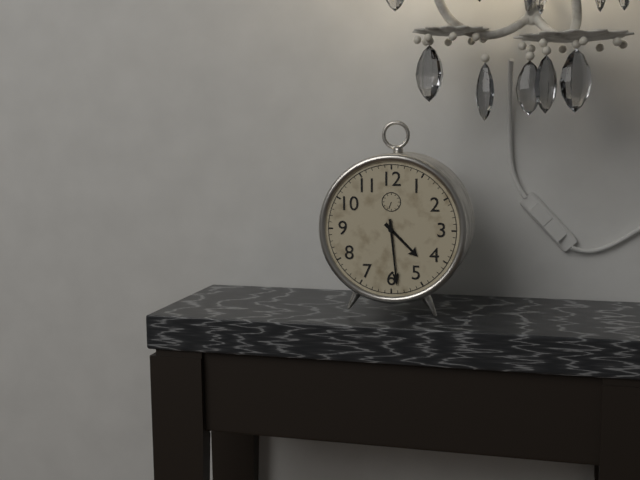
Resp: 4.29
